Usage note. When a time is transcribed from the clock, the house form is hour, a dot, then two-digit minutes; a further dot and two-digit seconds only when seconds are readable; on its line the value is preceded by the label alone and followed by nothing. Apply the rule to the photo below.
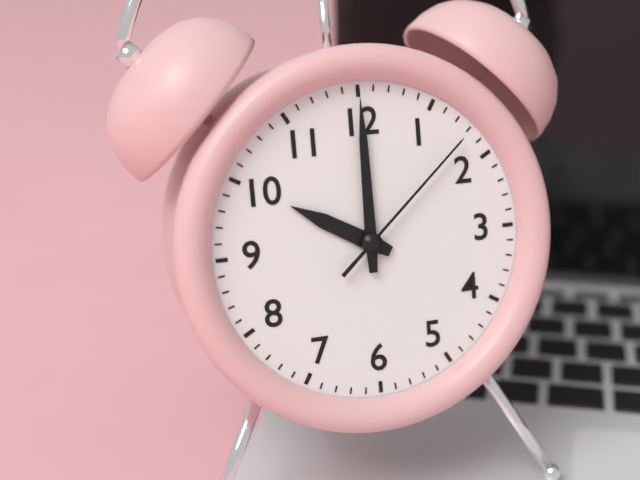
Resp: 10.00.08
